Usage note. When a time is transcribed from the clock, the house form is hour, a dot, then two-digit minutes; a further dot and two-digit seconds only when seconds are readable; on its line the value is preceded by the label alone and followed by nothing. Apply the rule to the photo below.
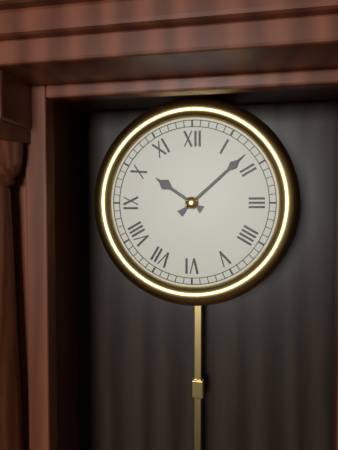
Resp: 10.08
